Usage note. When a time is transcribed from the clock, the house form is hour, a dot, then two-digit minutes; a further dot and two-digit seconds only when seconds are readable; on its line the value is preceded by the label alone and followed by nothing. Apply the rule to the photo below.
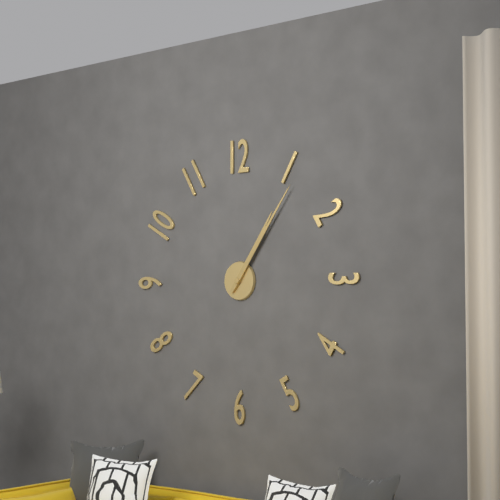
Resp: 1.06
